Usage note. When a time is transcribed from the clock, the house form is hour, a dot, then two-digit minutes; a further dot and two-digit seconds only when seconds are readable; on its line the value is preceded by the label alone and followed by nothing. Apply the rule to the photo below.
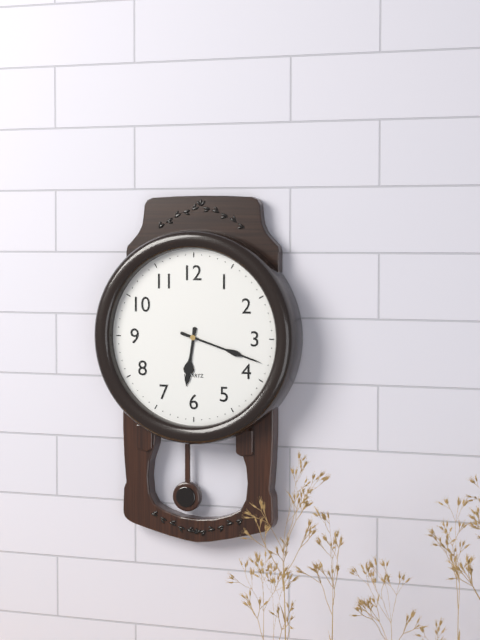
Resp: 6.18
